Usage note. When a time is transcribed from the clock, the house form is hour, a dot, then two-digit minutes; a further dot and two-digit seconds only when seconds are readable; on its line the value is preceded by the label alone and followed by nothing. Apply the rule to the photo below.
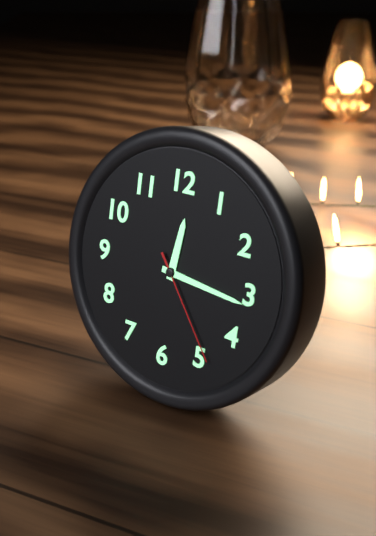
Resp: 12.16.24
